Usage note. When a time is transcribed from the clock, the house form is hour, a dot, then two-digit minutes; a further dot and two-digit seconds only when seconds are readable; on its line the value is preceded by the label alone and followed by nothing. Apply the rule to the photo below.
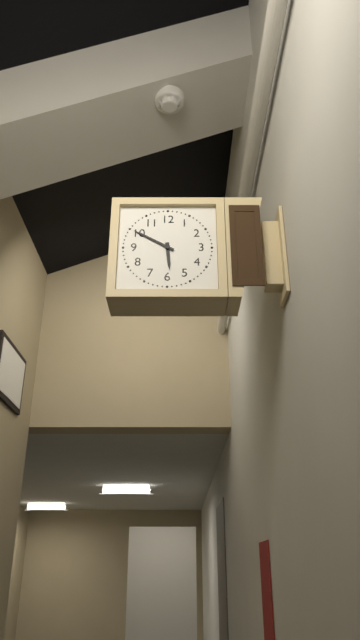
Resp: 5.50
